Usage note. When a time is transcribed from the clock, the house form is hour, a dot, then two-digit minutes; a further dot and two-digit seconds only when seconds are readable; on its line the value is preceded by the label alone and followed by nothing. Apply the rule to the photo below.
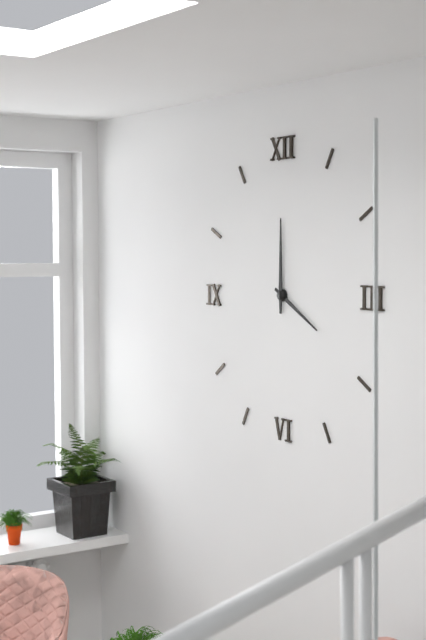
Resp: 4.00
